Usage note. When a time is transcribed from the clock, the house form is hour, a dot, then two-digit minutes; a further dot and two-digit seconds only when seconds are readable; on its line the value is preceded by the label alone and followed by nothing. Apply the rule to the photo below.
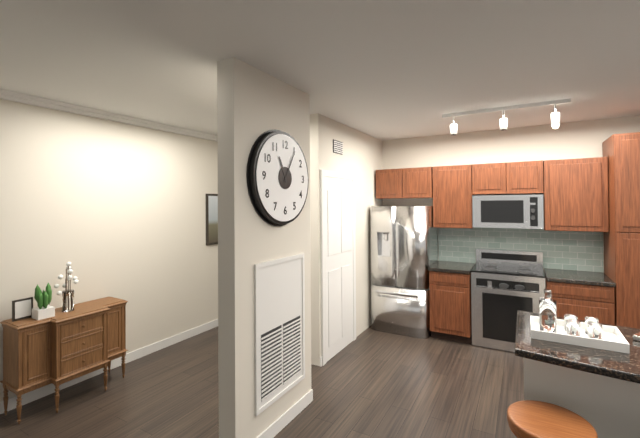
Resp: 11.05
